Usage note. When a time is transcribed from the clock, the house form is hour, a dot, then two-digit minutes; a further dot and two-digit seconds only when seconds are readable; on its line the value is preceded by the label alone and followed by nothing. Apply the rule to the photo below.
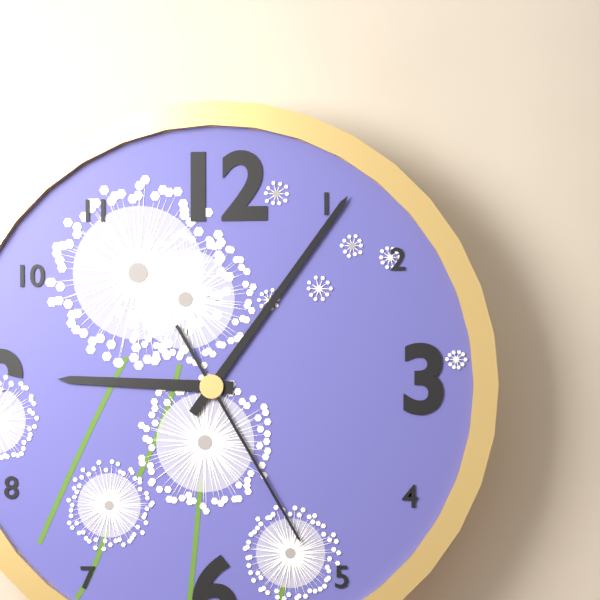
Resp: 9.06.25
